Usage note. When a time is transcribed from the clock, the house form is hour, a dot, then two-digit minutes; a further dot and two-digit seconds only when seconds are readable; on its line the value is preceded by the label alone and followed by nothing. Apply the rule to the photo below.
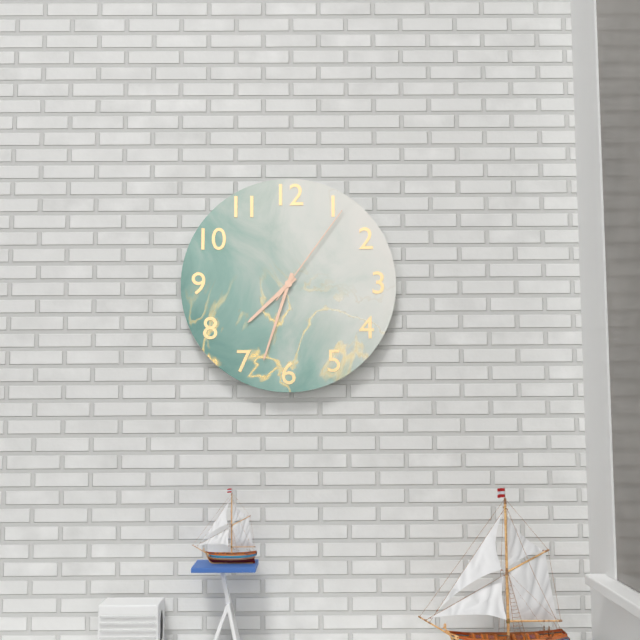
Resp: 7.33.06
